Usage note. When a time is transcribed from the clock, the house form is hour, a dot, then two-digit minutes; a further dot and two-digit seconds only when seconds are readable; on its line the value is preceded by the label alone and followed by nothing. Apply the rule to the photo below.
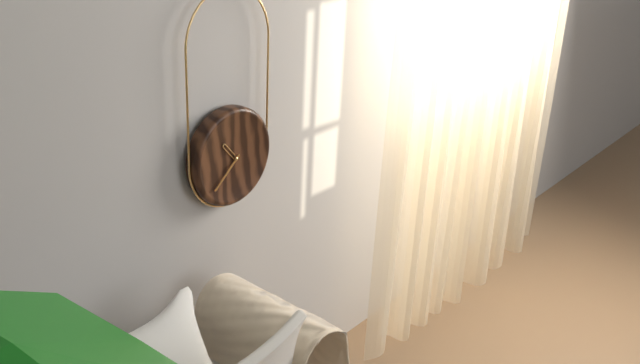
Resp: 10.38
